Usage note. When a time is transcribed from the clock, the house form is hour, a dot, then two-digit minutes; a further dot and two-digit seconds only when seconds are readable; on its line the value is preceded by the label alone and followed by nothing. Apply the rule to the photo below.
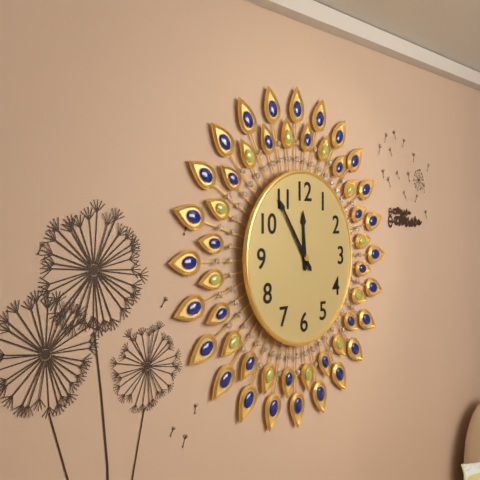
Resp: 11.54
